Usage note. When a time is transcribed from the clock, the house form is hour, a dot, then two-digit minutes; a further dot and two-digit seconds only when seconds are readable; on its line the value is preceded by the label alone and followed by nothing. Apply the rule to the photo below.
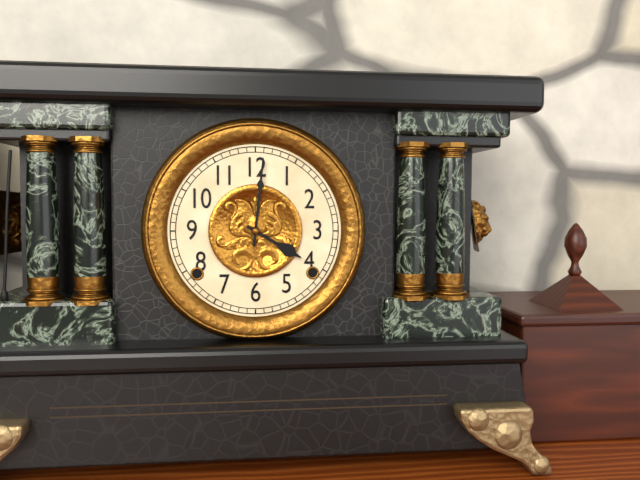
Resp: 4.01
